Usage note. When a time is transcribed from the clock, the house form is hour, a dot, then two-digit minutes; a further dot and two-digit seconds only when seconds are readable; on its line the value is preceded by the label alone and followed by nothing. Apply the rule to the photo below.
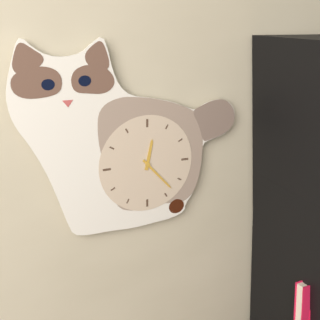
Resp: 12.23
